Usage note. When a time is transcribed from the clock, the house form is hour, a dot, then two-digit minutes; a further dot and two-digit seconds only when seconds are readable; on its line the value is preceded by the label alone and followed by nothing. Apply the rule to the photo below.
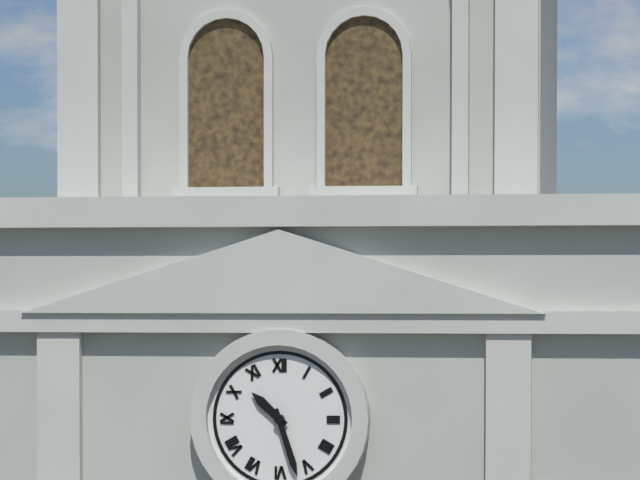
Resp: 10.27
